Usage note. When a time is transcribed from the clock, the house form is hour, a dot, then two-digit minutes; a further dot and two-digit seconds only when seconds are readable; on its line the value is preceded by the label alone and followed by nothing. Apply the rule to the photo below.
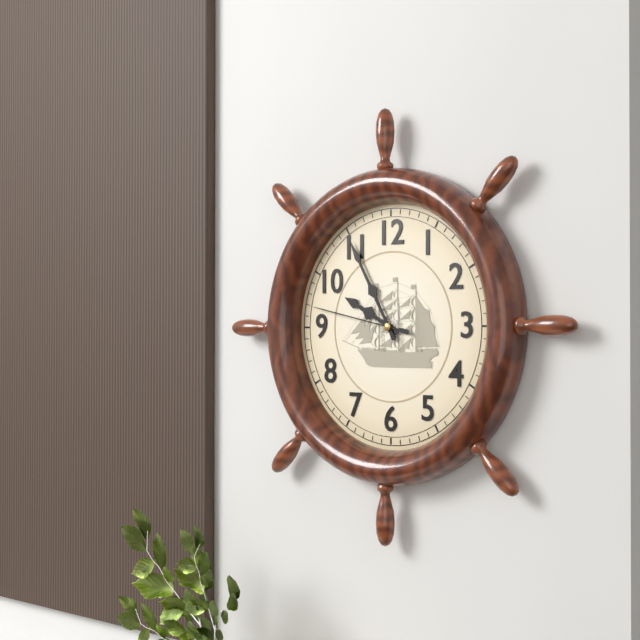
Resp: 9.55.47
